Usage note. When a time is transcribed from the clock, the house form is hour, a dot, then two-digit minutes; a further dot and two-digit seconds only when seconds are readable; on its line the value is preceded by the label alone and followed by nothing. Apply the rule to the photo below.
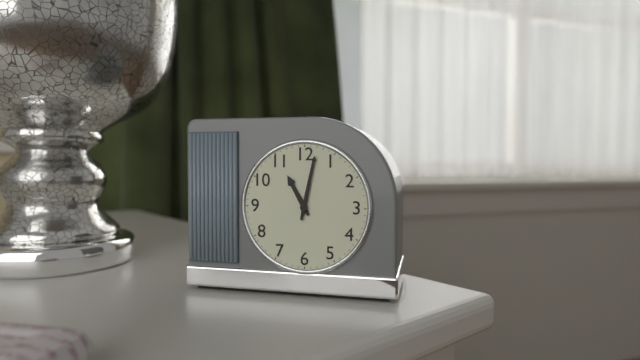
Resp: 11.02
